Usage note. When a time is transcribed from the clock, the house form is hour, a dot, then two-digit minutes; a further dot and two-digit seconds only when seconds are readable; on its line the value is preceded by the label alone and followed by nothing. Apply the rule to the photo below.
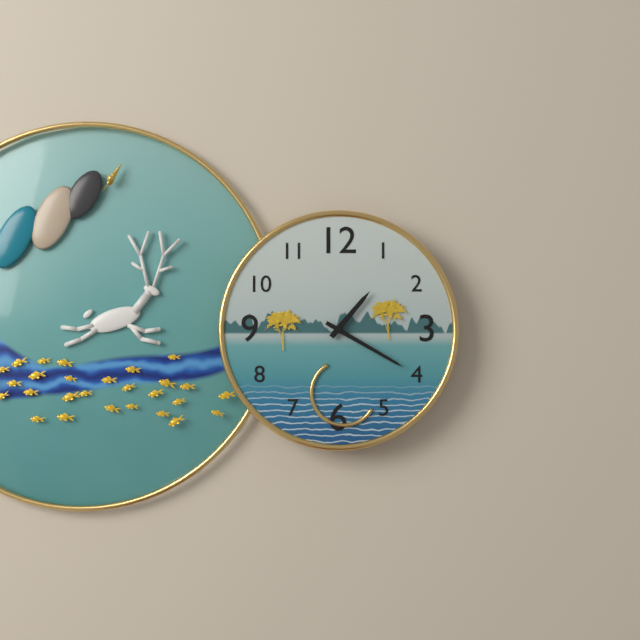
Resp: 1.20
